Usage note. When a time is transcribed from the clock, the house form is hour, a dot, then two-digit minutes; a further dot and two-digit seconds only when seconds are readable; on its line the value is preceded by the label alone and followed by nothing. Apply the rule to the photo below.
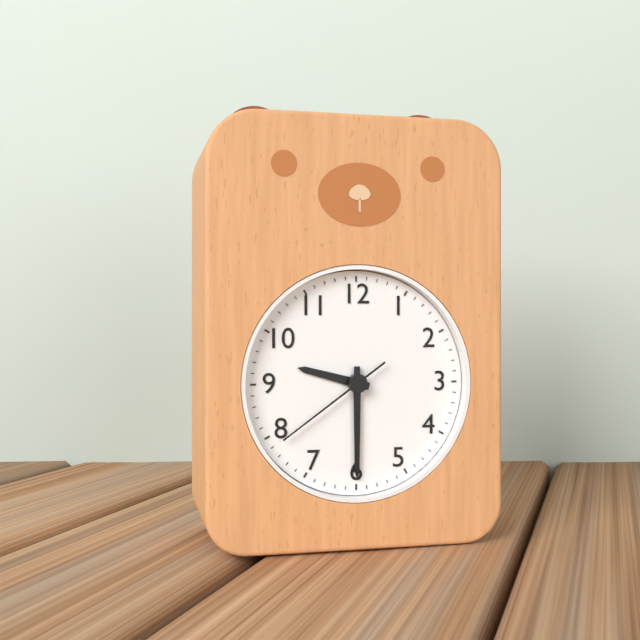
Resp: 9.30.39
